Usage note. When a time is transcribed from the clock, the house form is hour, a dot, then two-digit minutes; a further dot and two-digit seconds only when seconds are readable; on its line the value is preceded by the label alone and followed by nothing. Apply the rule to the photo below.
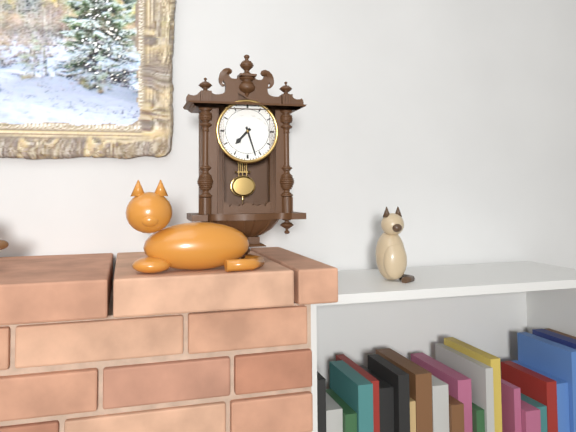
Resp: 7.27
